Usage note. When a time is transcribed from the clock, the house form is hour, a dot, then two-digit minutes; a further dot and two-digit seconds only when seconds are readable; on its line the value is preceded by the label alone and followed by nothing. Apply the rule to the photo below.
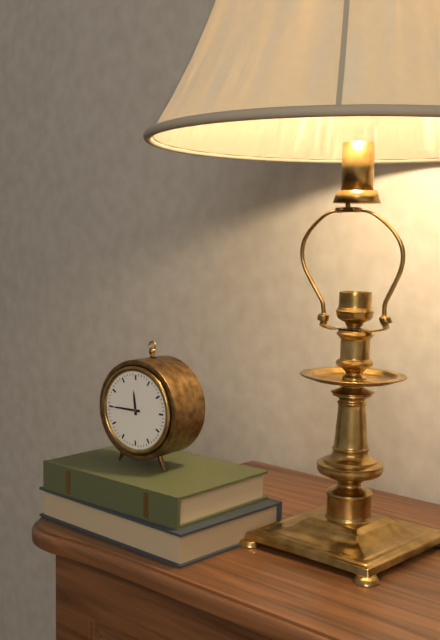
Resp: 11.45
